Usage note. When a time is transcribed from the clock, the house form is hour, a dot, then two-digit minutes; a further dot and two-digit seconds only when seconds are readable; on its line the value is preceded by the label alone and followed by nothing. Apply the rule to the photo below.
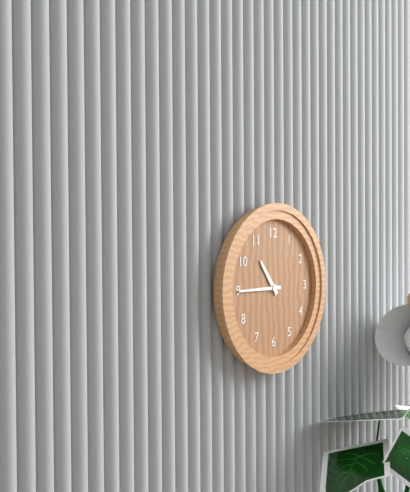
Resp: 10.45
